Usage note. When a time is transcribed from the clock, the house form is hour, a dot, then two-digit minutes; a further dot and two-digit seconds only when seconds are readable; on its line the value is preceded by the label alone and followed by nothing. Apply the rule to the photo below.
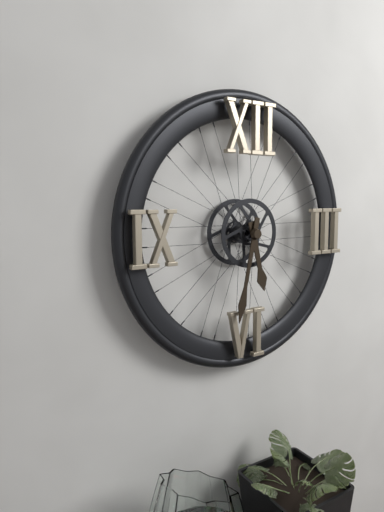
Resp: 5.32
